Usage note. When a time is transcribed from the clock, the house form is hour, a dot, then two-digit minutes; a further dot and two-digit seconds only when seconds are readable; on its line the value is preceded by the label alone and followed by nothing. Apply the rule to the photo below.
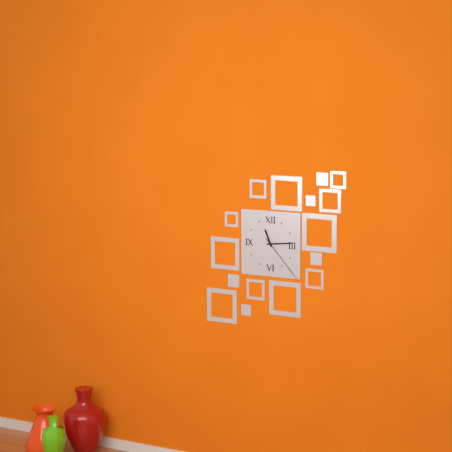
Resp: 11.14.23
